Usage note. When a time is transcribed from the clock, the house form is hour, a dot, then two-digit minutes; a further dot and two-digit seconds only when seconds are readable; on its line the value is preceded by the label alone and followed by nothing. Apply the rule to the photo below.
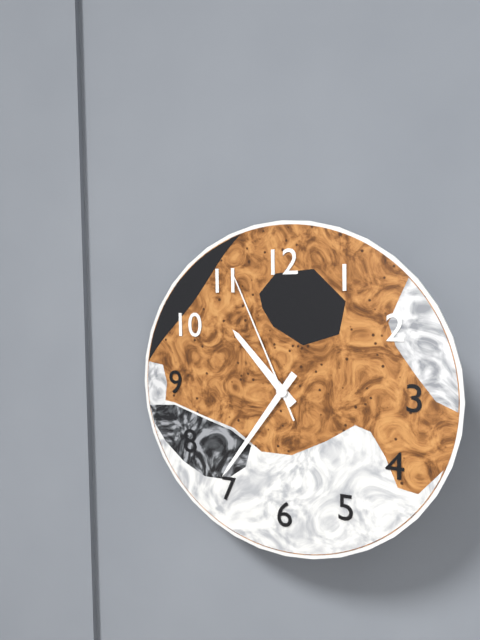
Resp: 10.36.56
